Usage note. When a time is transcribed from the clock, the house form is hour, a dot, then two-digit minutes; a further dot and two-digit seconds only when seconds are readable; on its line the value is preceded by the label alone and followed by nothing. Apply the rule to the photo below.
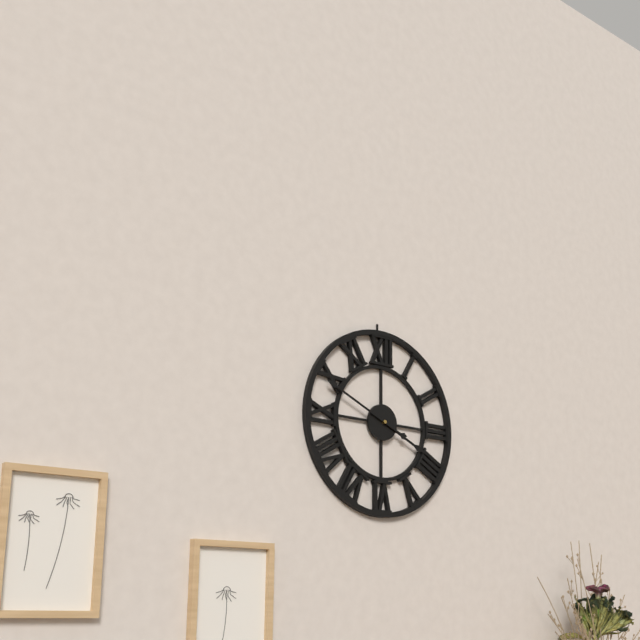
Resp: 3.49
